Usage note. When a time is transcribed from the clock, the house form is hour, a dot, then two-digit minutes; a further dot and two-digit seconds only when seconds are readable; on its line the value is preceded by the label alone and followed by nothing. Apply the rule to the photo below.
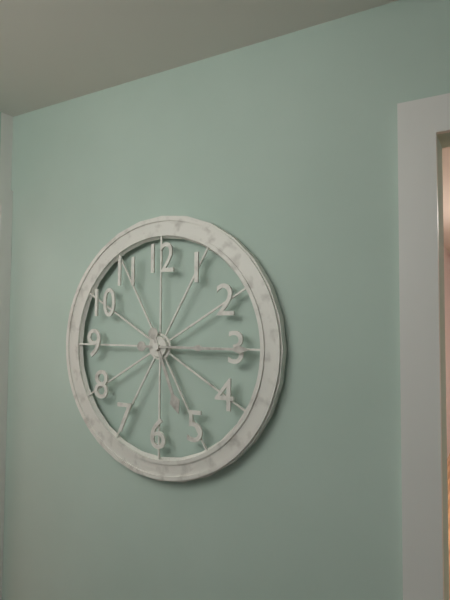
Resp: 5.15
